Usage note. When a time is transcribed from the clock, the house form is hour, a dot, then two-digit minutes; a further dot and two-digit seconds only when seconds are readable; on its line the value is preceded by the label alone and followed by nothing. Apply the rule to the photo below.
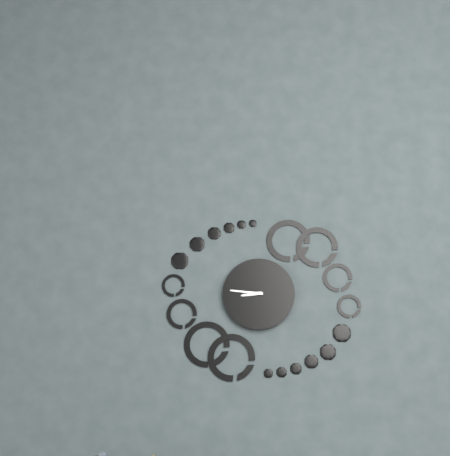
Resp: 8.46
